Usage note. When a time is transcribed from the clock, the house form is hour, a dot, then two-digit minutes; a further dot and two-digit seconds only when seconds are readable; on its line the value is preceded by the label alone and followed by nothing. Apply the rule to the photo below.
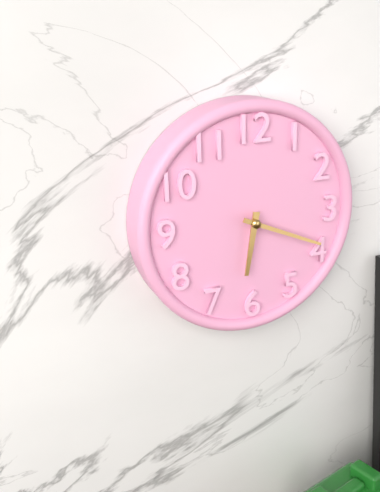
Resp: 6.19
